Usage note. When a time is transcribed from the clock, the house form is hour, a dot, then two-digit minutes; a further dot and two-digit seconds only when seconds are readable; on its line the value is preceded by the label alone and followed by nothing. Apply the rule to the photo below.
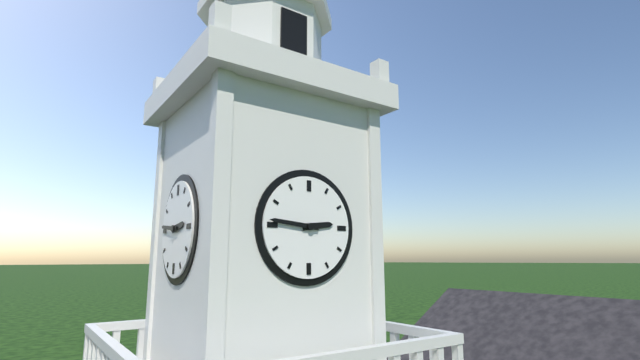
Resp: 2.46
